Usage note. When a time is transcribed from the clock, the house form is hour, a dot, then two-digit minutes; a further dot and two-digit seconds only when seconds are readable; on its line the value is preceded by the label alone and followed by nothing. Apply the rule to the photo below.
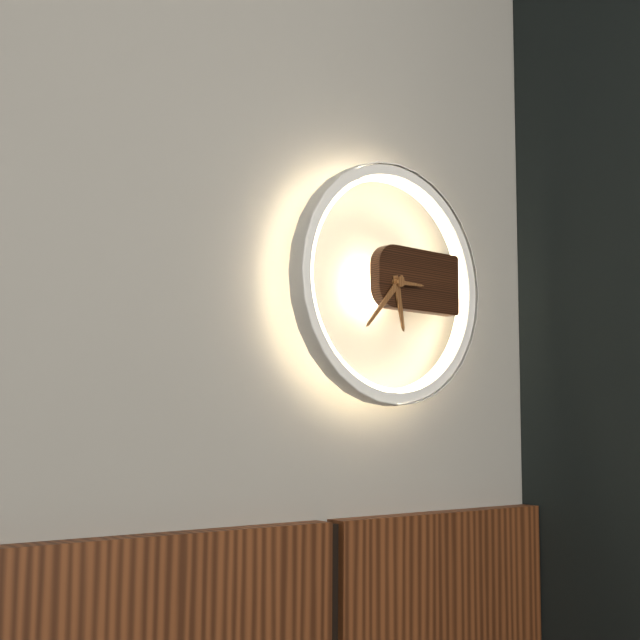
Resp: 5.37.15
